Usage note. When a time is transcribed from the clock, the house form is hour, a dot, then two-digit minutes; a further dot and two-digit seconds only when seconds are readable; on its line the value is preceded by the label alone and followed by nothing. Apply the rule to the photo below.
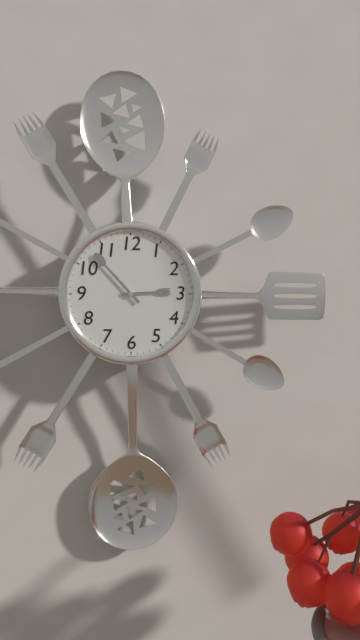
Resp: 2.53
